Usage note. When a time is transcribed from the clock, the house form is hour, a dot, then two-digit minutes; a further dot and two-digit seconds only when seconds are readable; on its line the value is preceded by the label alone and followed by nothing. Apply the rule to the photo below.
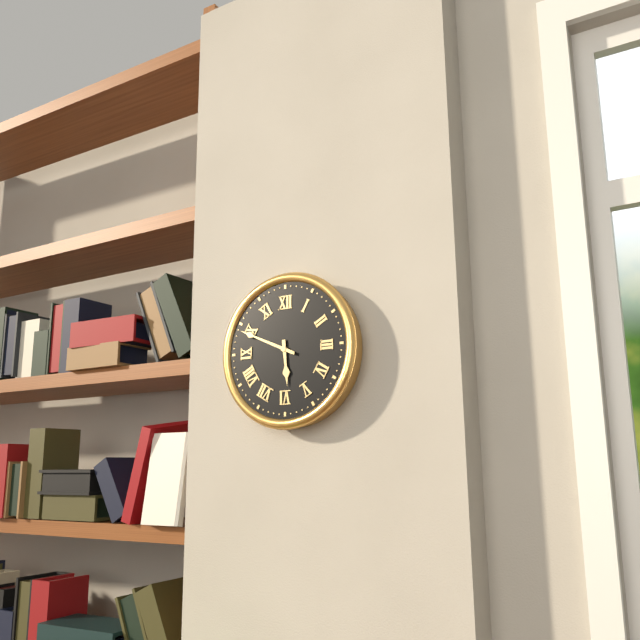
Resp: 5.49
